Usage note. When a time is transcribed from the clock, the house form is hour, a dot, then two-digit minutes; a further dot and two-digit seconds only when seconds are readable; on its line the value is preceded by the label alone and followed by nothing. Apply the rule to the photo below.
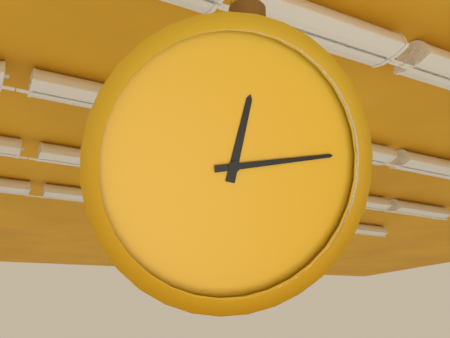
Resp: 12.13
